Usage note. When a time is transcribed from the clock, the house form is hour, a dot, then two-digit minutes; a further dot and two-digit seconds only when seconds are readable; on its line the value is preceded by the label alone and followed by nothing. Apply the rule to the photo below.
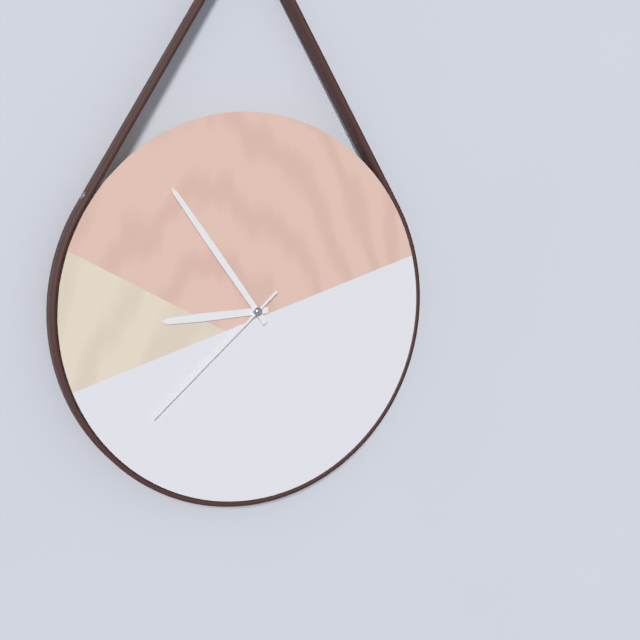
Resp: 8.54.38
